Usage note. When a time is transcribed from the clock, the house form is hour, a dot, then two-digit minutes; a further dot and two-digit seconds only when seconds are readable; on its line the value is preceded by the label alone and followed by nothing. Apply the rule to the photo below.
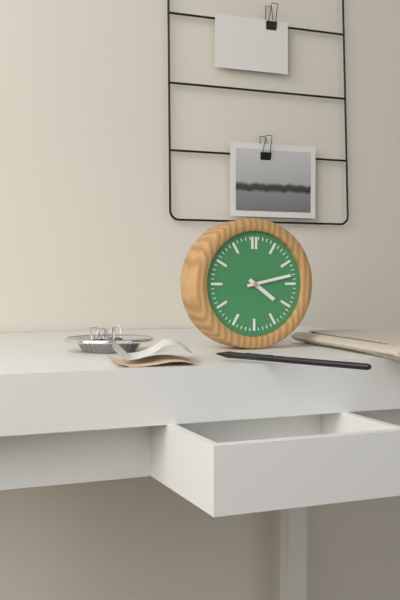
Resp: 4.13
